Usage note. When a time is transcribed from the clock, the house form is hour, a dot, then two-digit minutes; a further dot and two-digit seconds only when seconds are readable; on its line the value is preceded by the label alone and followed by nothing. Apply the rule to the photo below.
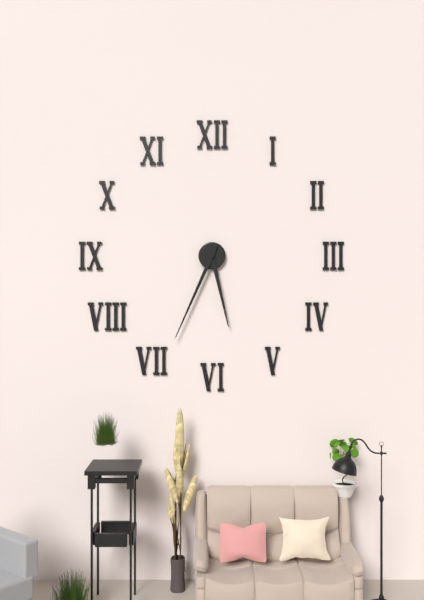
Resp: 5.34
